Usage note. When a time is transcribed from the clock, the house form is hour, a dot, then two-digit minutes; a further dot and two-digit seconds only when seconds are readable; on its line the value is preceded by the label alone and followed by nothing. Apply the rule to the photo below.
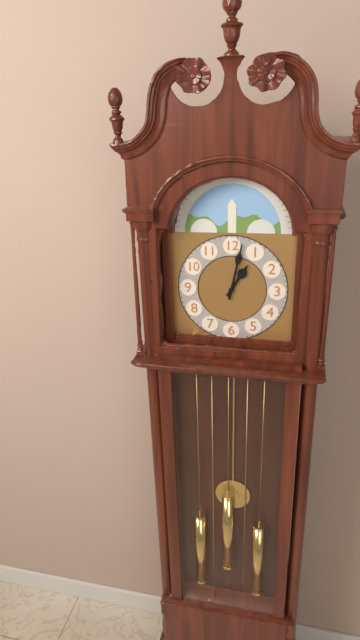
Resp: 1.02
